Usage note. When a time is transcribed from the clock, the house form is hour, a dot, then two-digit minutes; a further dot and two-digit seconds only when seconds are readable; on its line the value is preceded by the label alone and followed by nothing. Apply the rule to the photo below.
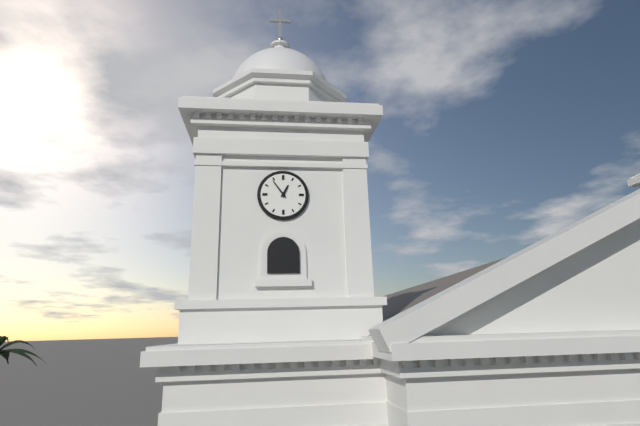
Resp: 12.54
